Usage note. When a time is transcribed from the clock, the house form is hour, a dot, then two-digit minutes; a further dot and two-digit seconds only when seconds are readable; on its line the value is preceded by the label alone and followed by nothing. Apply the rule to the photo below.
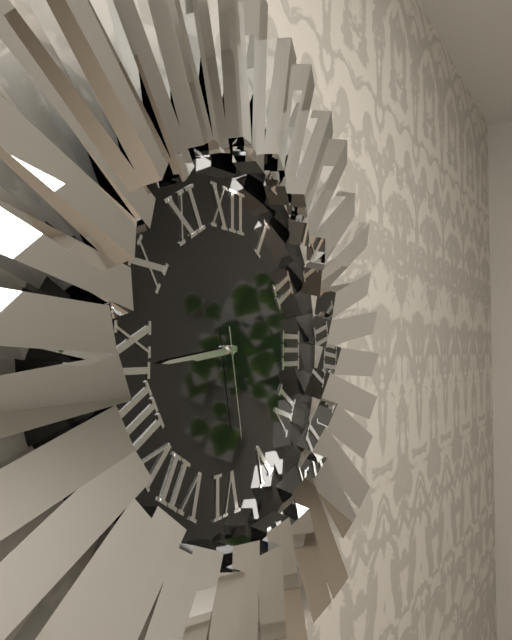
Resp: 8.44.28
